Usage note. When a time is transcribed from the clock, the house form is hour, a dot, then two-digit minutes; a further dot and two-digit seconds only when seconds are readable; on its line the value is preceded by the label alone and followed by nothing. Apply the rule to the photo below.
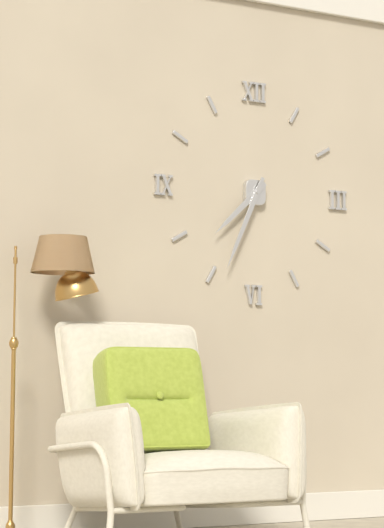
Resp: 7.34
